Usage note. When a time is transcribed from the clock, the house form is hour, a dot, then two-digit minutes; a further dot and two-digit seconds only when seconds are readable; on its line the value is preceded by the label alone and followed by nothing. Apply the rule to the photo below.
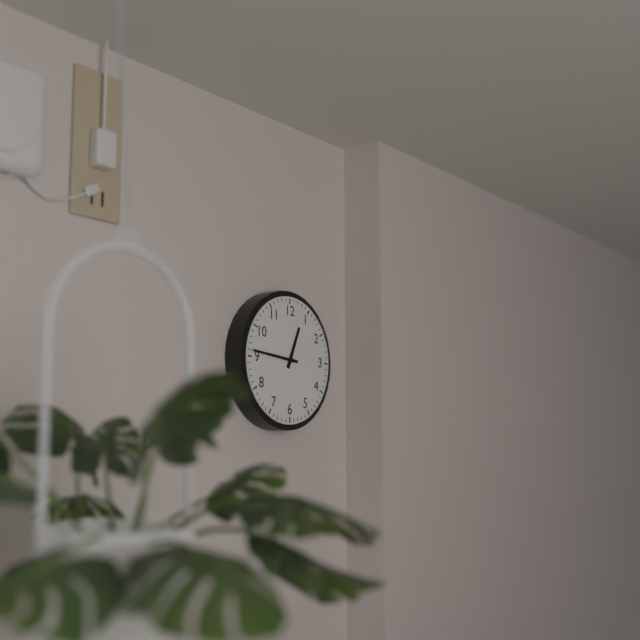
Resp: 12.46
